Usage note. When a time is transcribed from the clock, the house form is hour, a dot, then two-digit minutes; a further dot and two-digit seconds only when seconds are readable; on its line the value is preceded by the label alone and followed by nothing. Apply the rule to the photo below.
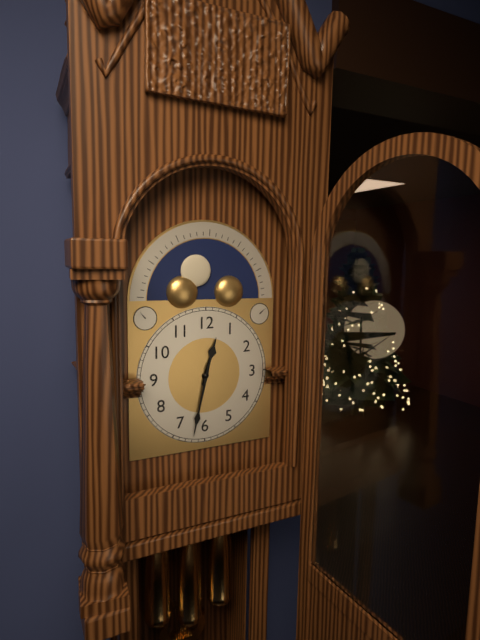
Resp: 12.32
